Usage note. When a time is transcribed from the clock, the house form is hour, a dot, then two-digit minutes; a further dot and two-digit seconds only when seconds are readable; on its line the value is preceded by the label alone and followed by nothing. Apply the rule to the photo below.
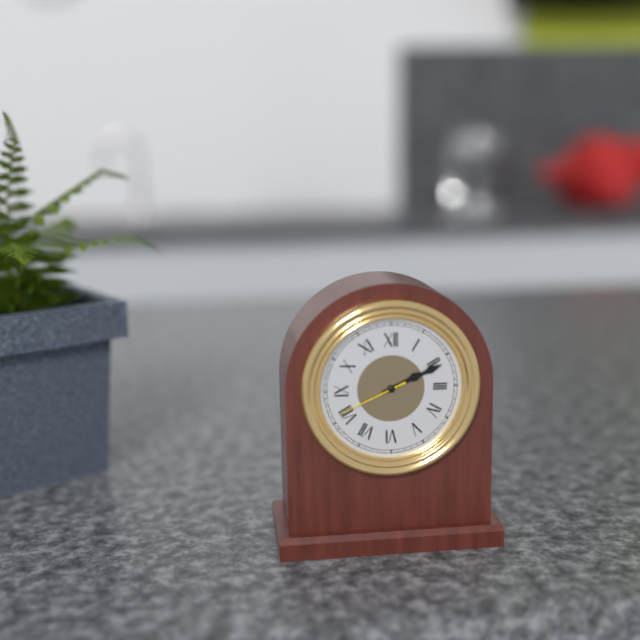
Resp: 2.11.41
